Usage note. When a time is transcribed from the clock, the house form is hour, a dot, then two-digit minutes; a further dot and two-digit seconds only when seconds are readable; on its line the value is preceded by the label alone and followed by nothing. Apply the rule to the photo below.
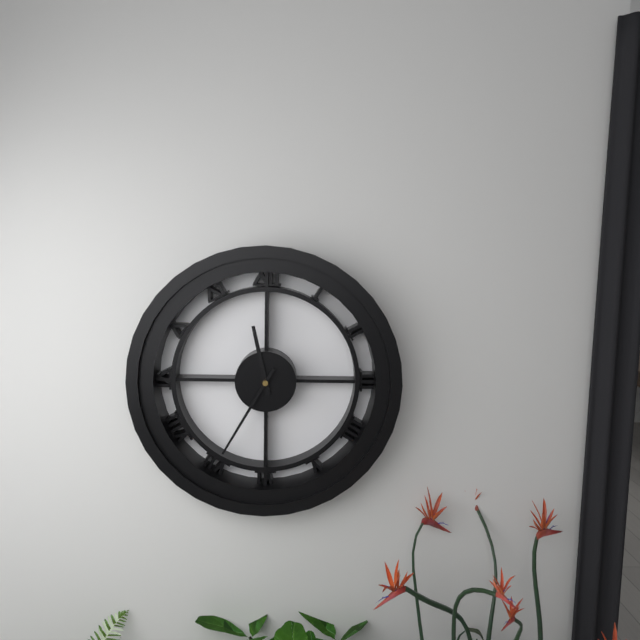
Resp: 11.35
